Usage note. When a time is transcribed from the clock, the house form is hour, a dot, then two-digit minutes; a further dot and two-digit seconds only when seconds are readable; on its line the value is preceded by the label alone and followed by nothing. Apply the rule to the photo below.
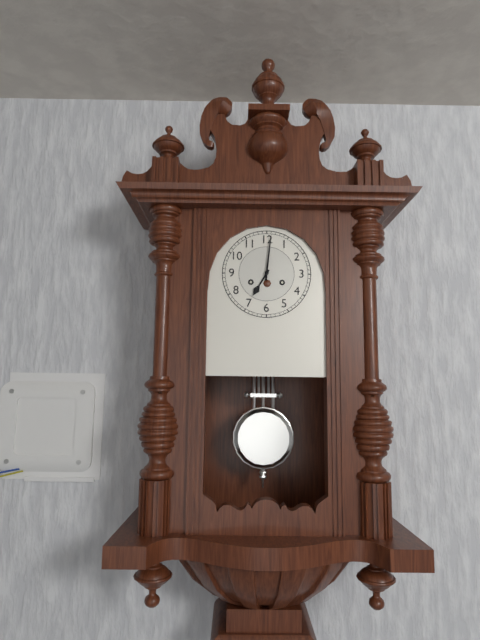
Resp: 7.01
